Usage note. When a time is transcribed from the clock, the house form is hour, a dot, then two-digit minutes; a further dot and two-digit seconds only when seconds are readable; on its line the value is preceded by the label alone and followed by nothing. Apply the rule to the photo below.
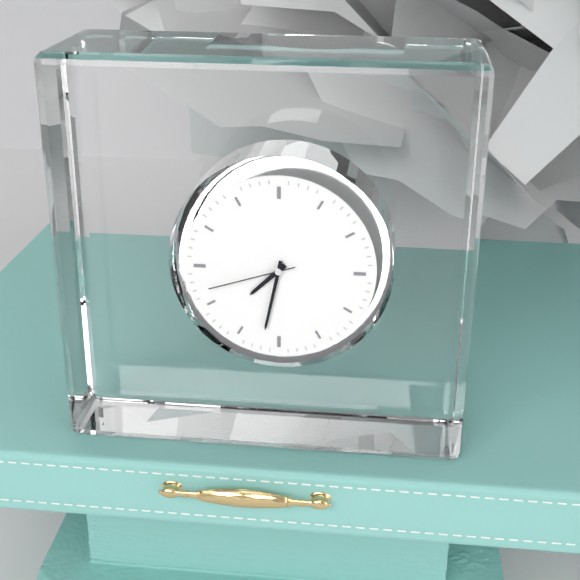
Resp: 7.32.42
